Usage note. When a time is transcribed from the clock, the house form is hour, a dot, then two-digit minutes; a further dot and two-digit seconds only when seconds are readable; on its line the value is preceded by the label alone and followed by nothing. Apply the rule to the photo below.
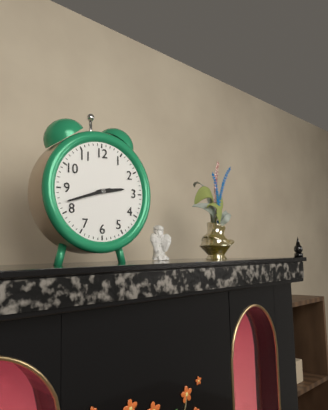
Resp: 2.42
